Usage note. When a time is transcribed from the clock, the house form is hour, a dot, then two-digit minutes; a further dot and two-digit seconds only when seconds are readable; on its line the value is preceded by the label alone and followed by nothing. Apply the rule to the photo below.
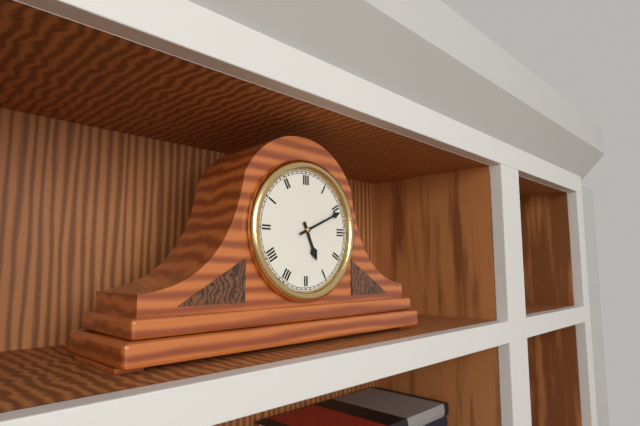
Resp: 5.11
